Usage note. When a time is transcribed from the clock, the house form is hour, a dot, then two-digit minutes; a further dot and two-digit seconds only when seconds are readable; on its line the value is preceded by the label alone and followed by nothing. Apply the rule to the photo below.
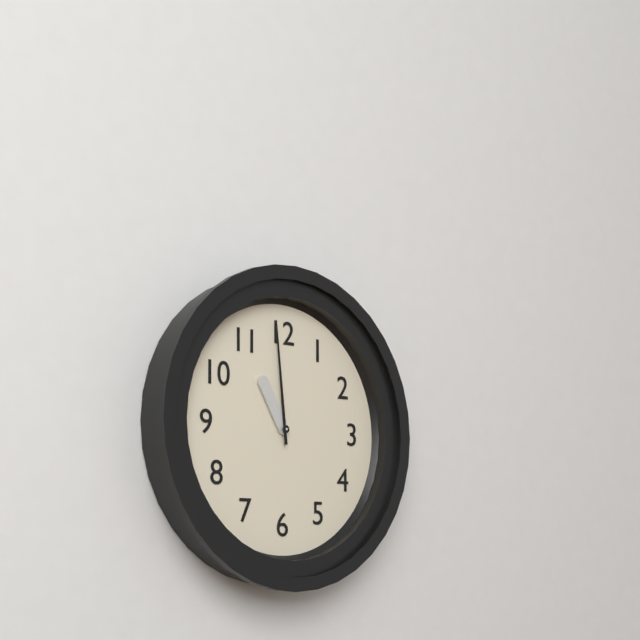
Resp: 10.59
